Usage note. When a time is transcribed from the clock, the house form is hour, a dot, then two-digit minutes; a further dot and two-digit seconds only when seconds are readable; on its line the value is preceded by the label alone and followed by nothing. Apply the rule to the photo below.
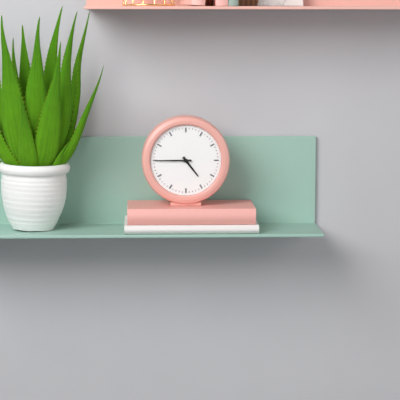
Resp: 4.45
